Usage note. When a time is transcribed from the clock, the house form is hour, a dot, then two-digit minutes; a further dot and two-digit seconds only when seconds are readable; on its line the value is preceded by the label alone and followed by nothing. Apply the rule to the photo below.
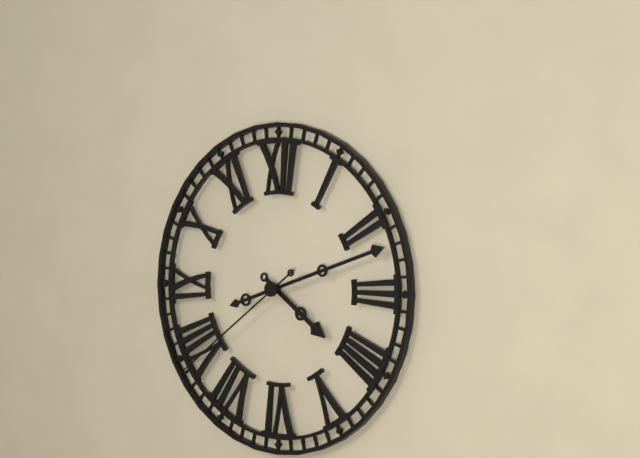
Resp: 4.12.39
